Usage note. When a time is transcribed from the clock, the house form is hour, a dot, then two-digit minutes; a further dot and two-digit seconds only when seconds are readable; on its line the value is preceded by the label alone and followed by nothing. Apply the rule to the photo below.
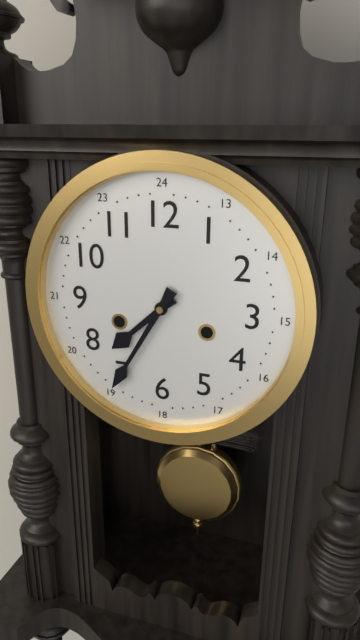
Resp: 7.35
